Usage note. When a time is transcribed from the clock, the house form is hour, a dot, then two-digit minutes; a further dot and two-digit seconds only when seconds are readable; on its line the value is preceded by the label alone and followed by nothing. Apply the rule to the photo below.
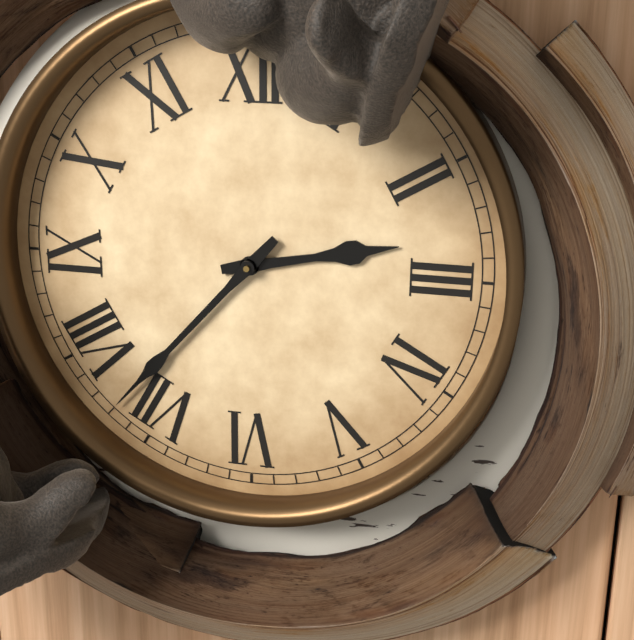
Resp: 2.37
